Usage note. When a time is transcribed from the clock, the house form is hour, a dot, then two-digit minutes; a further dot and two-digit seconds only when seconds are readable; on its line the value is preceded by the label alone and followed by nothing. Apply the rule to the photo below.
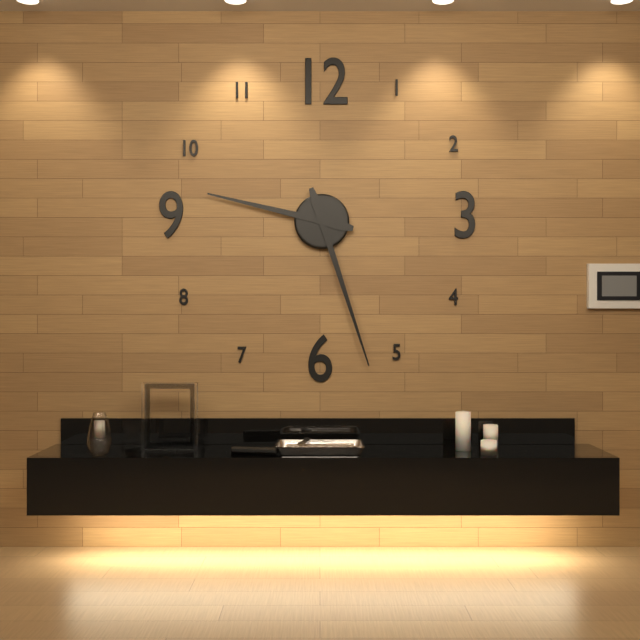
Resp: 9.27
